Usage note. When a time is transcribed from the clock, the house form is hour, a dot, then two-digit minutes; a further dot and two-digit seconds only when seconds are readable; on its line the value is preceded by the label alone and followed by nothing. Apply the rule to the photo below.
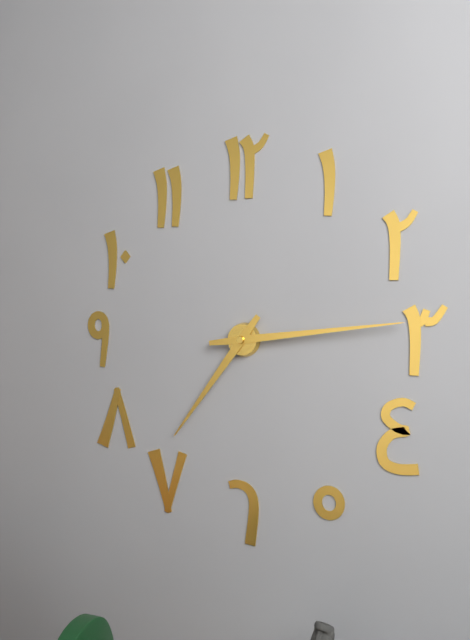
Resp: 7.14
